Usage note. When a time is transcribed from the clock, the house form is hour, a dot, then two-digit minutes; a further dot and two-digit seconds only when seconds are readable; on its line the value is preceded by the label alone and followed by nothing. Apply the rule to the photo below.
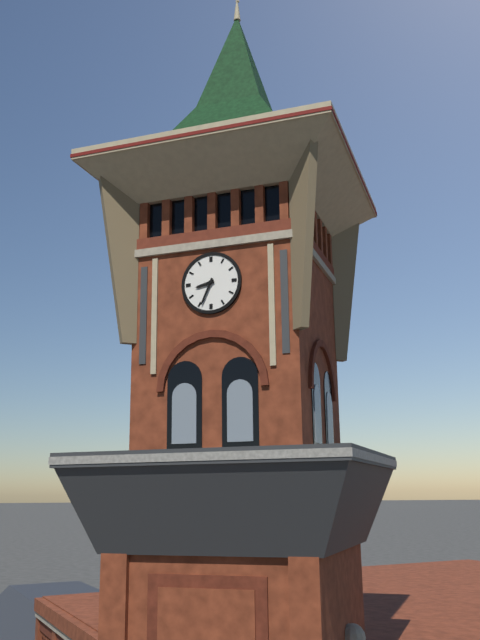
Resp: 8.34
